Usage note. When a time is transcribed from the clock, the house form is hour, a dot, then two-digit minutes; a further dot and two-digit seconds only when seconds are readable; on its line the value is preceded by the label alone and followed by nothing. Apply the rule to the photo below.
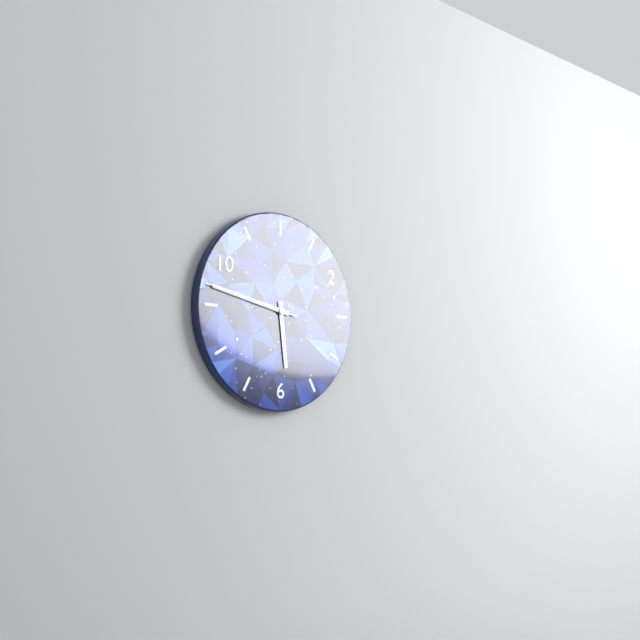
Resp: 5.47.47
